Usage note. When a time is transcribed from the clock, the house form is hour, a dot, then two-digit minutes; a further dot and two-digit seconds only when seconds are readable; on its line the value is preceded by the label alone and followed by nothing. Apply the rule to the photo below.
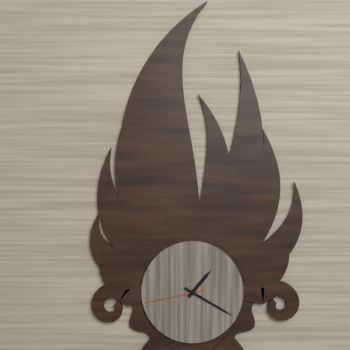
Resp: 1.20.43
